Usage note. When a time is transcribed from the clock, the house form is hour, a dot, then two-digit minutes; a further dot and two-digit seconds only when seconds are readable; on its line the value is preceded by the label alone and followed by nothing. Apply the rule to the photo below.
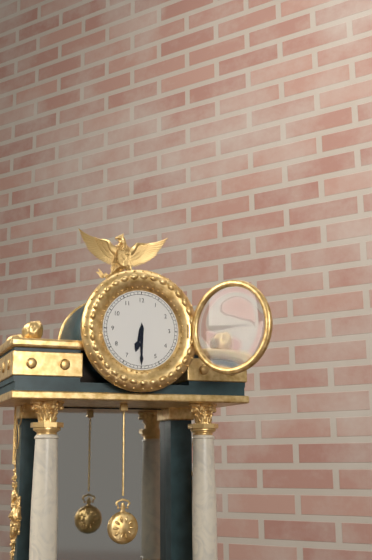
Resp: 6.30
